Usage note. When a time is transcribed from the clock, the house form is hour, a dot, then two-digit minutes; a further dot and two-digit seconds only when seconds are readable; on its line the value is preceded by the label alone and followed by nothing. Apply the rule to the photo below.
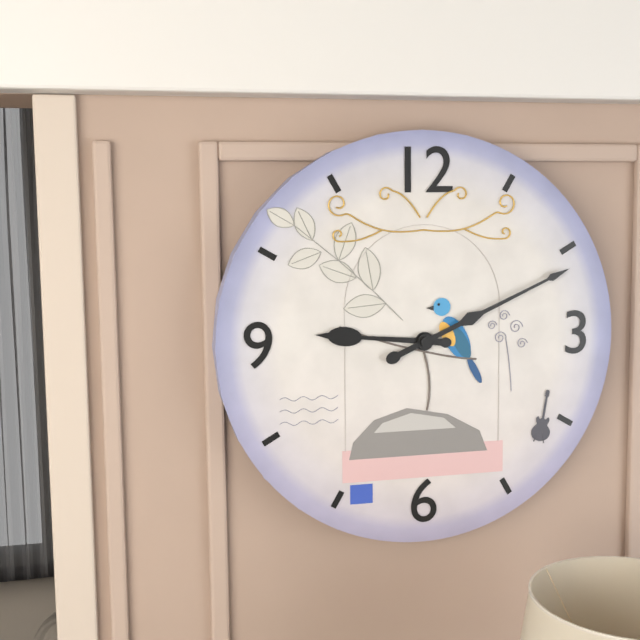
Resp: 9.11
